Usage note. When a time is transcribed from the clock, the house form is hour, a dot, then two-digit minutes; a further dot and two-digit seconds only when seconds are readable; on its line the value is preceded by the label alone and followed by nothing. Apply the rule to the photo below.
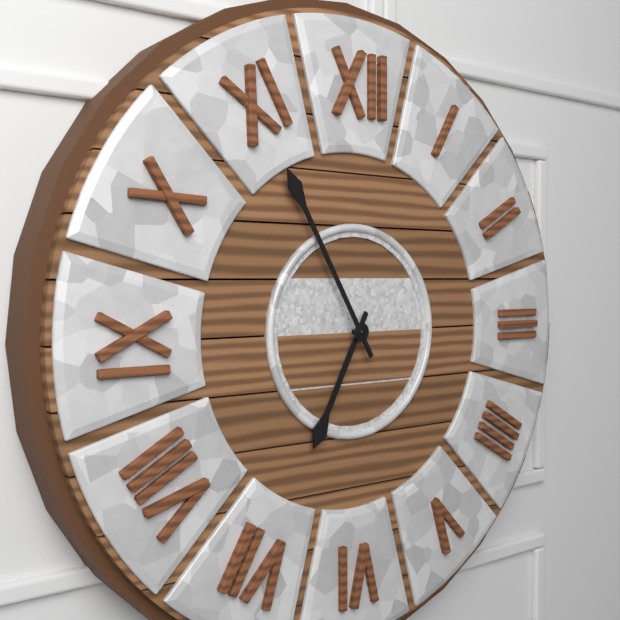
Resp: 6.55
